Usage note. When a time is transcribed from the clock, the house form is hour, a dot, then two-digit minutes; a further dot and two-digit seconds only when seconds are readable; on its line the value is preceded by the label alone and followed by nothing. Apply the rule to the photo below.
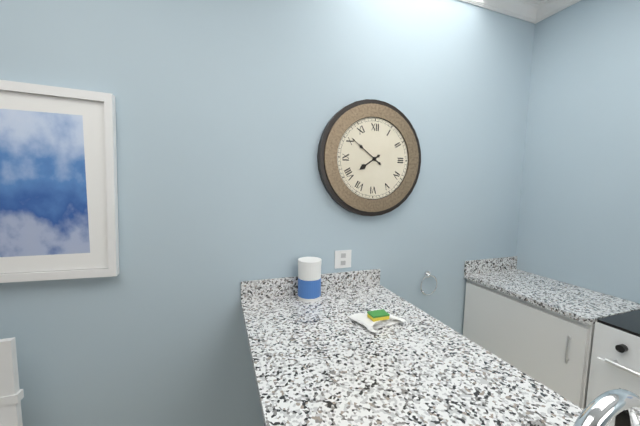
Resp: 7.51
